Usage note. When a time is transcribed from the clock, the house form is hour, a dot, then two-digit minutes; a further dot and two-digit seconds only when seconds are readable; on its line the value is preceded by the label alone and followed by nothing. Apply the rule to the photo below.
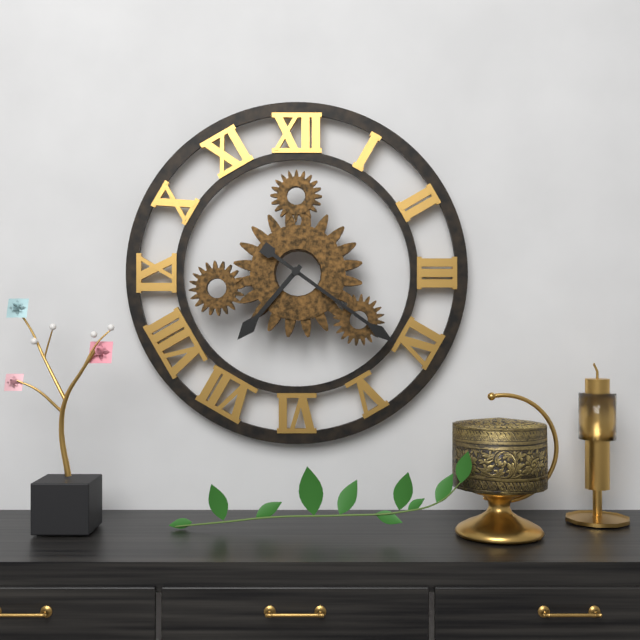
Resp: 7.21
